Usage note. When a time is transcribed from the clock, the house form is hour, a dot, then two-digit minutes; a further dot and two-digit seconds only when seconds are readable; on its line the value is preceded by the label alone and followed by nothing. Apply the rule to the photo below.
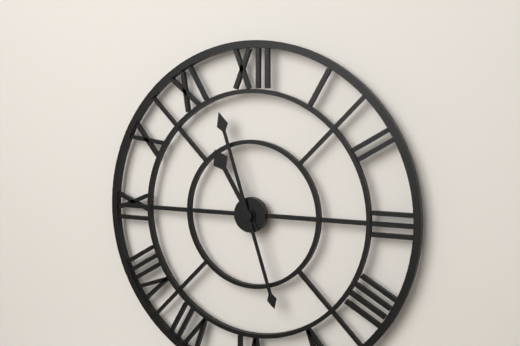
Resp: 10.57
